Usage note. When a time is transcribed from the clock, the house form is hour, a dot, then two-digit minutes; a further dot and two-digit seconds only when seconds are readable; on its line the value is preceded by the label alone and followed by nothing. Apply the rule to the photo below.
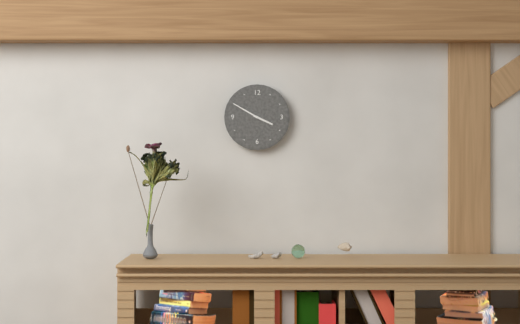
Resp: 3.50
